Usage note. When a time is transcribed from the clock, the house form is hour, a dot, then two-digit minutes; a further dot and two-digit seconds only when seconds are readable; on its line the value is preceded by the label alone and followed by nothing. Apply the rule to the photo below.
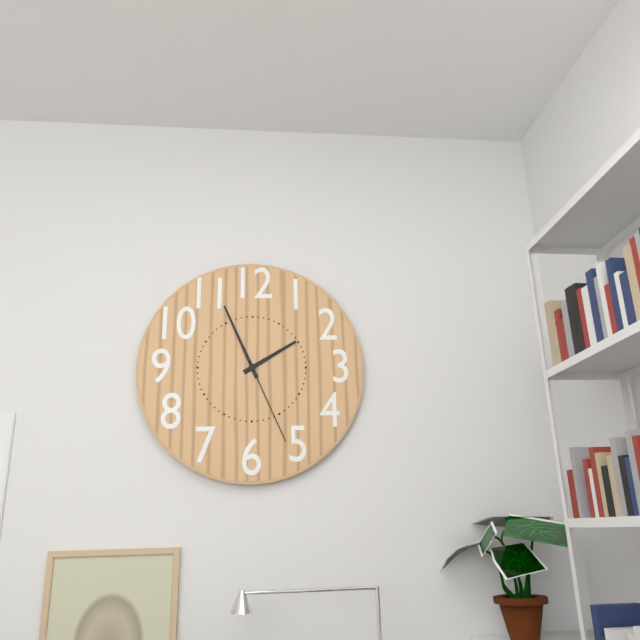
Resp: 1.56.26
